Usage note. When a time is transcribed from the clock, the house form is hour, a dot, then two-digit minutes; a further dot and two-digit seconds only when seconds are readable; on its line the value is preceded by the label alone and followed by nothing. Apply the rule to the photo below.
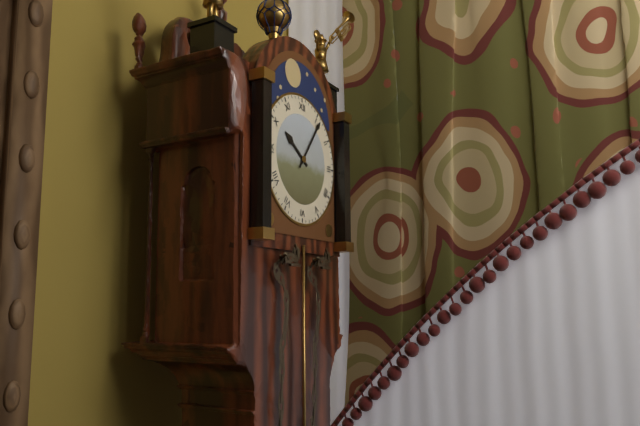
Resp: 10.06
